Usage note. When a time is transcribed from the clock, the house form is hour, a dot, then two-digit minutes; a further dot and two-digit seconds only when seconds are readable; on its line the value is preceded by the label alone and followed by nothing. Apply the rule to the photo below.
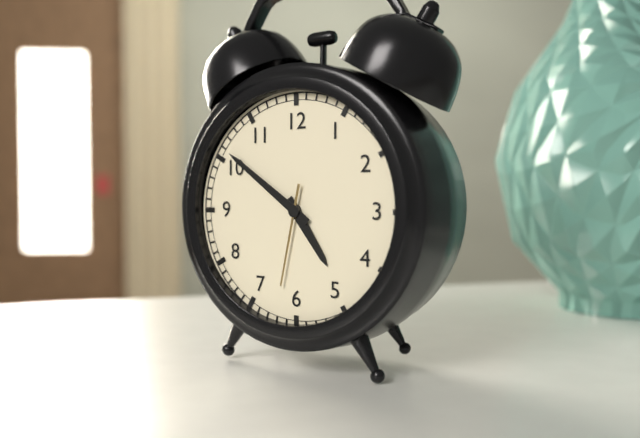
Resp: 4.51.32
